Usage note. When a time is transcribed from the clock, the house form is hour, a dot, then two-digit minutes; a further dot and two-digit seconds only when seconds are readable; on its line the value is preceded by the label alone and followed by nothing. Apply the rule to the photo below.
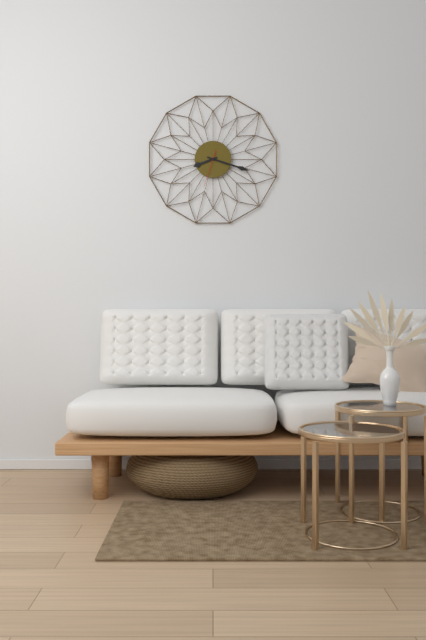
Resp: 8.18
